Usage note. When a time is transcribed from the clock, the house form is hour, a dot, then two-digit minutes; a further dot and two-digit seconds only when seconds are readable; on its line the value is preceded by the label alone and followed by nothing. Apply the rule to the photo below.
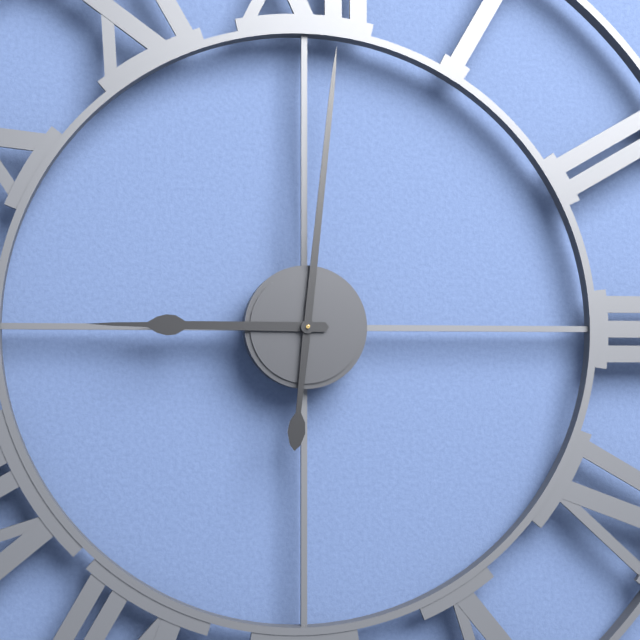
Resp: 9.01
